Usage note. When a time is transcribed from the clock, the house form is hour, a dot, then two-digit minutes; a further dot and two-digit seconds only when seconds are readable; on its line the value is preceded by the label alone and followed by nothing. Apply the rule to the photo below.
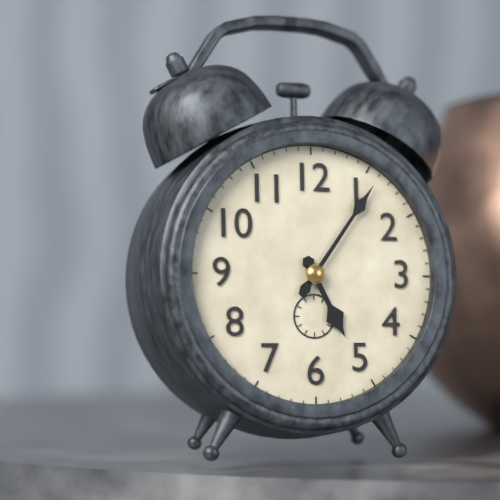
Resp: 5.06
